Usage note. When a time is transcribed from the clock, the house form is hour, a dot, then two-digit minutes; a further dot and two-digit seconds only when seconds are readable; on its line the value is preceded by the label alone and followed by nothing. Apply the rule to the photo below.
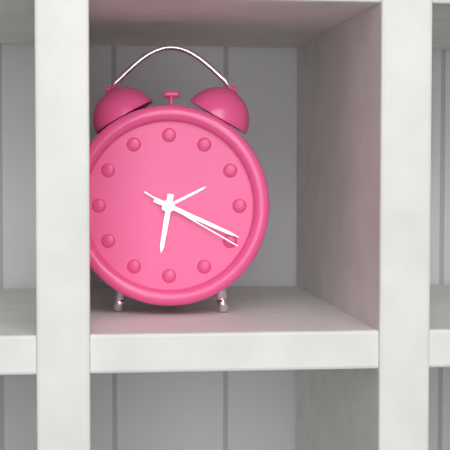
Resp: 6.19.20
